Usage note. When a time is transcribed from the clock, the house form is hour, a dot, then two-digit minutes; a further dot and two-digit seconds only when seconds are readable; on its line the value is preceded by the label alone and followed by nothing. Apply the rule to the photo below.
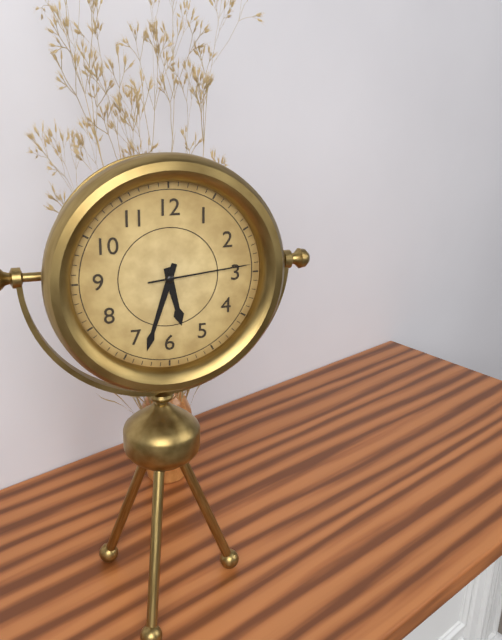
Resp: 5.33.14
